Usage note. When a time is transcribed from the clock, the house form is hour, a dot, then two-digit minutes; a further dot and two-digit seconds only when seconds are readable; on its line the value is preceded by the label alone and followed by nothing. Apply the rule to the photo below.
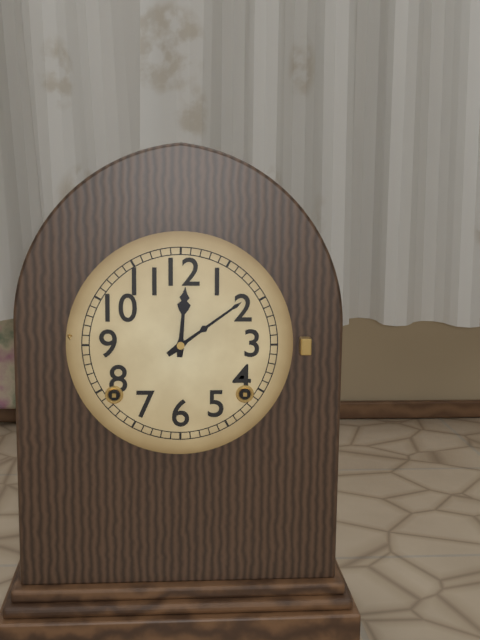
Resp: 12.09
